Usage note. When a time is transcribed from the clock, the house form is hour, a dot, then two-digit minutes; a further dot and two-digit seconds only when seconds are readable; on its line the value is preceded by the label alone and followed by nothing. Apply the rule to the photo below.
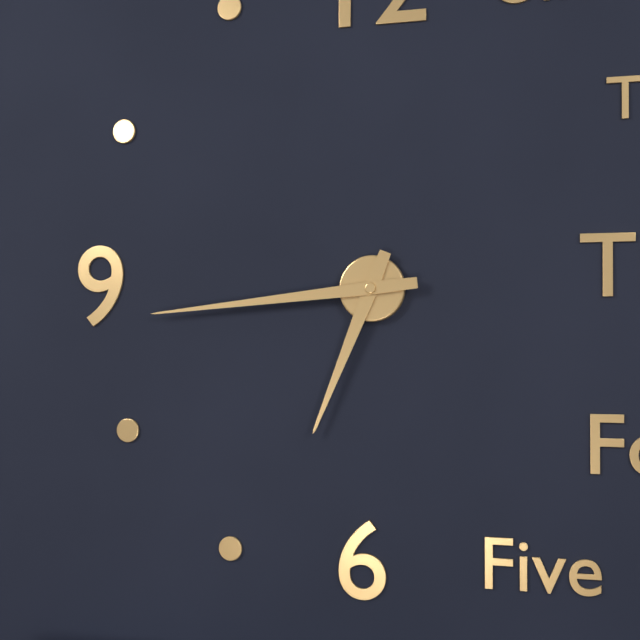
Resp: 6.44
